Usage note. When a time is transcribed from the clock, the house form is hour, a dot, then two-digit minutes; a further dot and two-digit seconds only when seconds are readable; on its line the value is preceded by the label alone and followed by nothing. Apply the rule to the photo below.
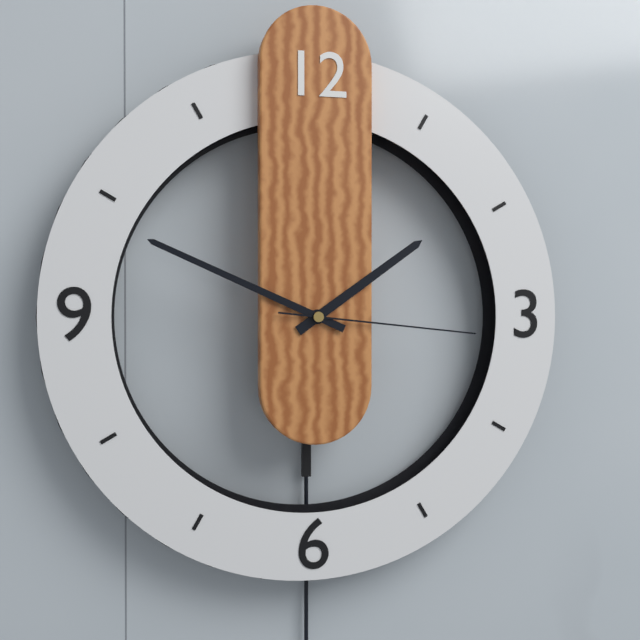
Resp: 1.49.16
